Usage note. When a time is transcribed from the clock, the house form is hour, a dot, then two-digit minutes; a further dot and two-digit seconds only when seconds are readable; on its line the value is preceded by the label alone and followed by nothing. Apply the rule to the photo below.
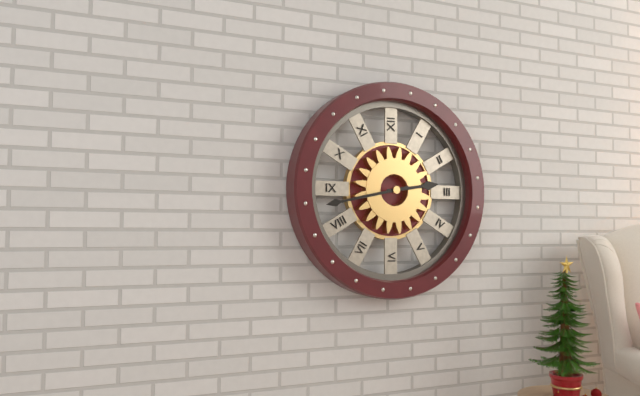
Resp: 2.43
